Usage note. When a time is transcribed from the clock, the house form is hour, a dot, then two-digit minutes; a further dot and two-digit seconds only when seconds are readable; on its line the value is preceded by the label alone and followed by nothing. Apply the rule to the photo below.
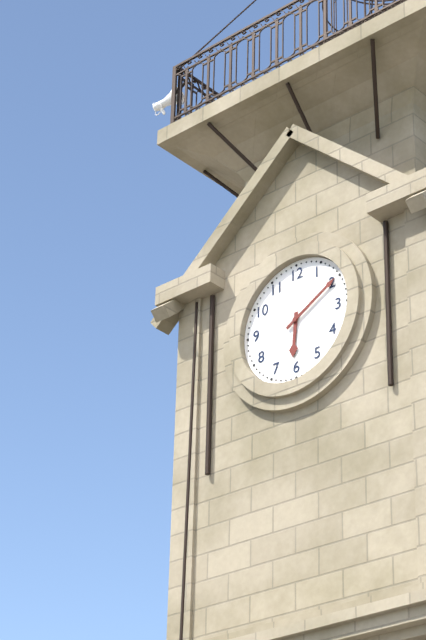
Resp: 6.10
